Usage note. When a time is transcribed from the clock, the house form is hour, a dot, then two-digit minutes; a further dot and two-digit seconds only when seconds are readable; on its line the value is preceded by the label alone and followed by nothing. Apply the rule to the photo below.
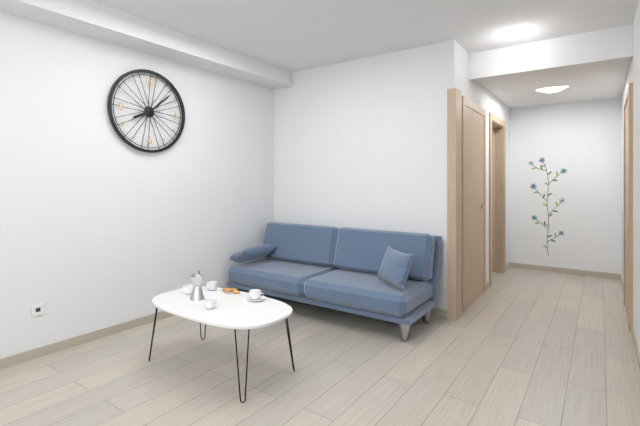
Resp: 8.08
